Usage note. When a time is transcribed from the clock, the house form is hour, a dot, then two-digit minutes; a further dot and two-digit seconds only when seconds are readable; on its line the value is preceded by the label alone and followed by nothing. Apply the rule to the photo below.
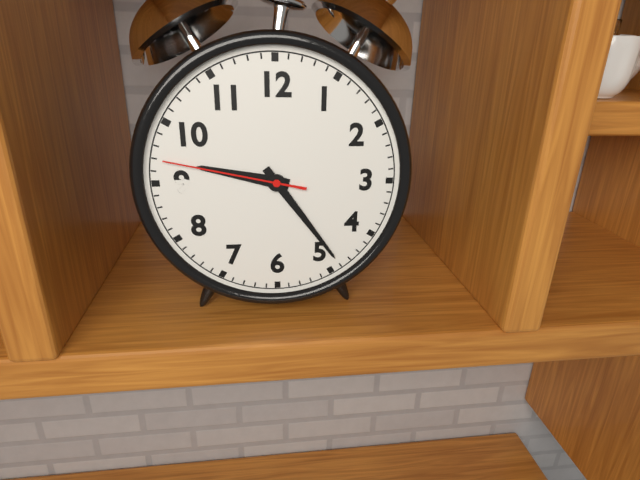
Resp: 9.24.47
